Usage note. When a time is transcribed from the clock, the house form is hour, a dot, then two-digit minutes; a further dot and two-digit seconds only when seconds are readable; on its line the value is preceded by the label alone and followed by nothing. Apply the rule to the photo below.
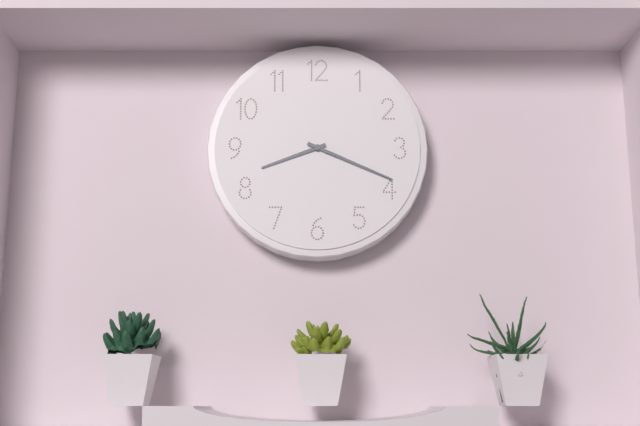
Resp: 8.19
